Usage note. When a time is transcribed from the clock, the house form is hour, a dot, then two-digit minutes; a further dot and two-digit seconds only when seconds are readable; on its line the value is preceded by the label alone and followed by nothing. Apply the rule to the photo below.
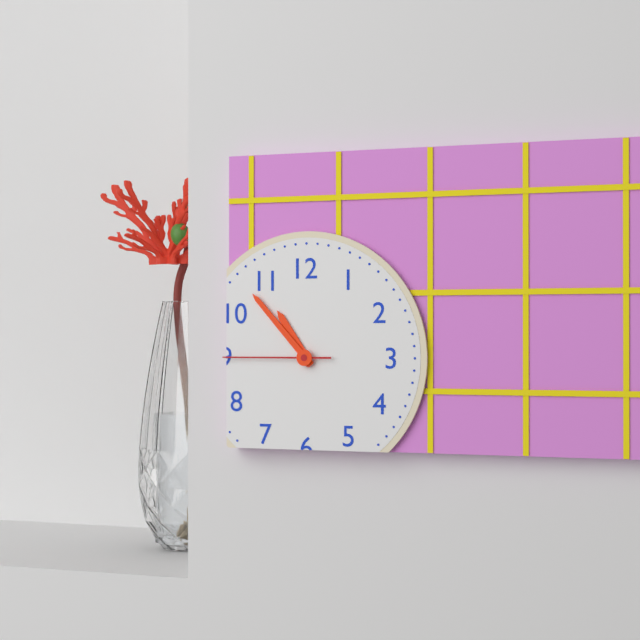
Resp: 10.53.45
